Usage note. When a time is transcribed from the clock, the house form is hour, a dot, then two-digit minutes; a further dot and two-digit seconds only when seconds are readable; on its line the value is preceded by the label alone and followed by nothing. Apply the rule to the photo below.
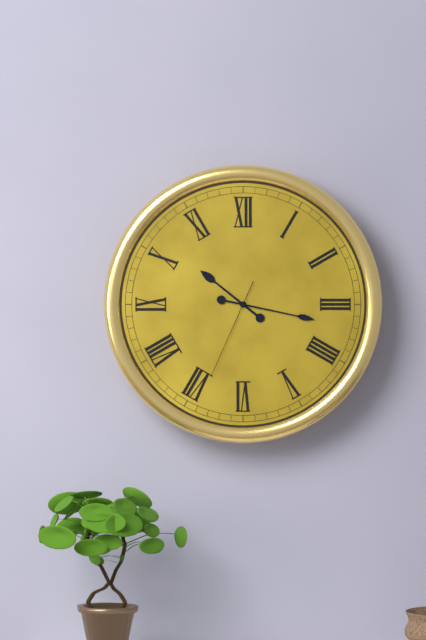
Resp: 10.17.34
